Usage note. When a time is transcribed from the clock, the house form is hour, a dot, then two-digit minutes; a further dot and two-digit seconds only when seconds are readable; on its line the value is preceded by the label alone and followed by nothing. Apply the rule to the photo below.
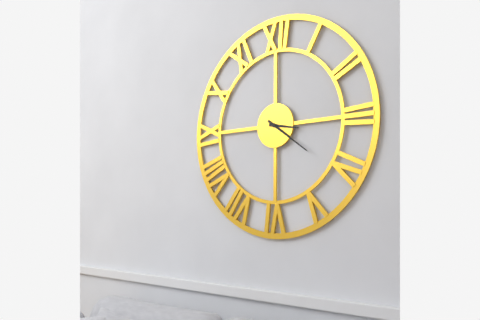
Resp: 3.21
